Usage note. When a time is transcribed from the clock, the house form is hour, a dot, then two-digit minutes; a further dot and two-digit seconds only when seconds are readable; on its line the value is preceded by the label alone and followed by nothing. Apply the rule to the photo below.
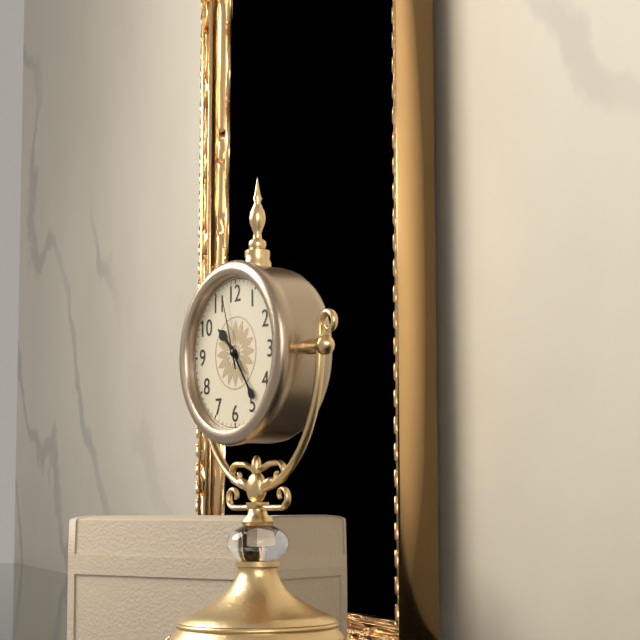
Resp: 10.24.57
